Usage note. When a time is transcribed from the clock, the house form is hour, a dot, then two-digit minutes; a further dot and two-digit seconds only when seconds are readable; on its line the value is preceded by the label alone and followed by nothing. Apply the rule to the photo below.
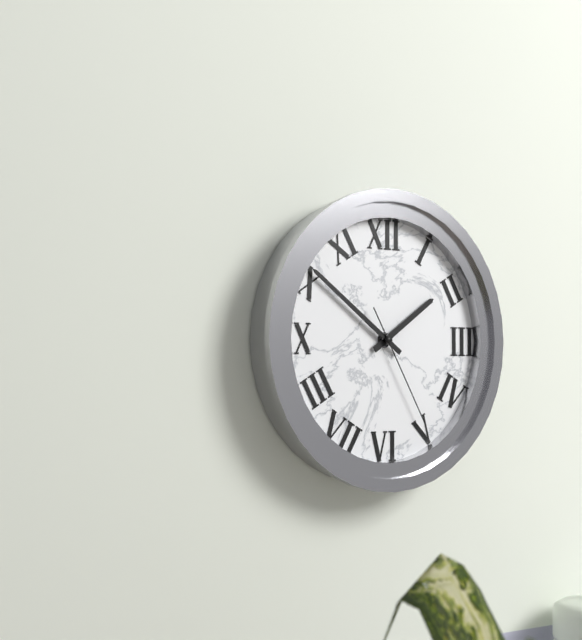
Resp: 1.51.25
